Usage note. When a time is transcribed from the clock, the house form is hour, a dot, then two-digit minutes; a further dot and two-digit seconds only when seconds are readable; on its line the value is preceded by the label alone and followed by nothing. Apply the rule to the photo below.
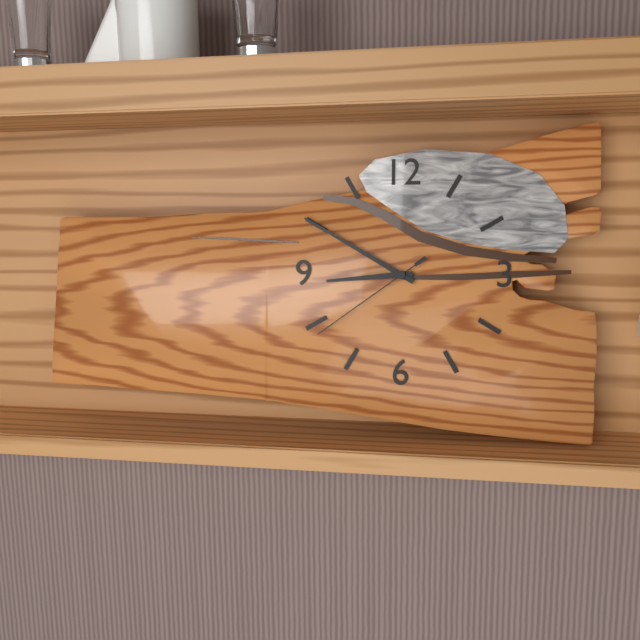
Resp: 8.50.39
